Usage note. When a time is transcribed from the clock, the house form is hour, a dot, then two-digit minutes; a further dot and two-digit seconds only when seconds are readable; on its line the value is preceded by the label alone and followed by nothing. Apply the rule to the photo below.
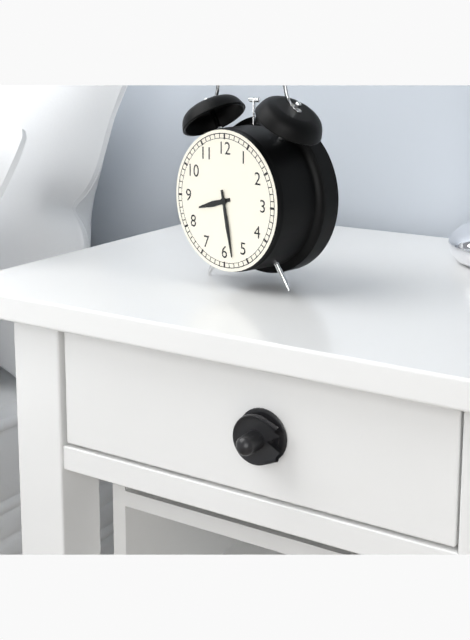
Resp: 8.28
